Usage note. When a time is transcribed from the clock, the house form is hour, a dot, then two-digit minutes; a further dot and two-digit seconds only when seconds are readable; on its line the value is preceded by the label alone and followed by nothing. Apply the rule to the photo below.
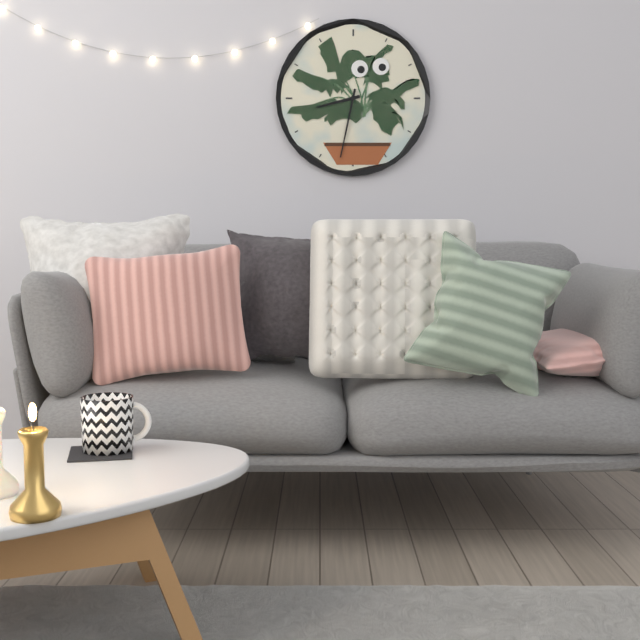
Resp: 8.32
